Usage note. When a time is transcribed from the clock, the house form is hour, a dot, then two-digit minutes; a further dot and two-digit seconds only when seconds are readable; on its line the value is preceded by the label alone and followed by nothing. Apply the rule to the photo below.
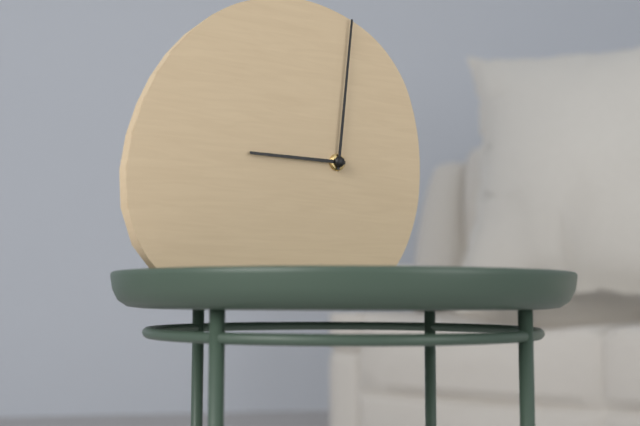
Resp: 9.01
